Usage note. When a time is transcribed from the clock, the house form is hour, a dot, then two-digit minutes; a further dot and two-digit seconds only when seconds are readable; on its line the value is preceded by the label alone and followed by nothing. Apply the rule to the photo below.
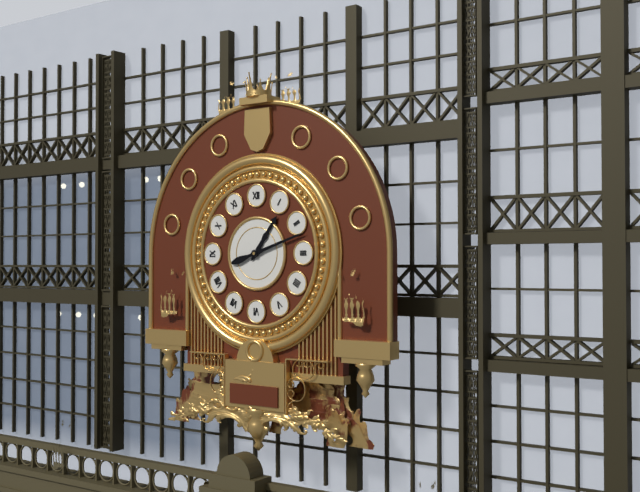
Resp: 1.12
